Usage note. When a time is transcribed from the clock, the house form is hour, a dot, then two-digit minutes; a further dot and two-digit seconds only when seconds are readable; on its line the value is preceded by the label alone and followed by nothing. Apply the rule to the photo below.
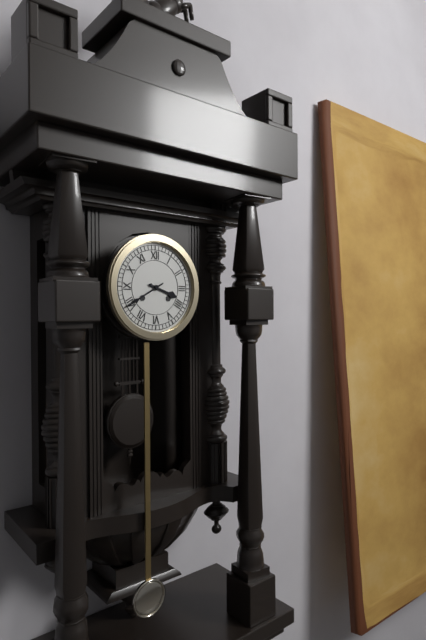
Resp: 3.40
